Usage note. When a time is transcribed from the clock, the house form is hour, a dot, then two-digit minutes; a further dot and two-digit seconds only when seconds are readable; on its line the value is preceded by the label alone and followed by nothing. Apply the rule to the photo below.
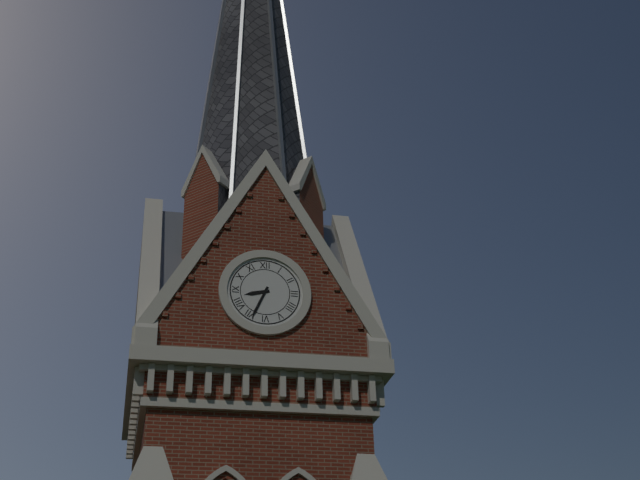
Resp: 8.34
